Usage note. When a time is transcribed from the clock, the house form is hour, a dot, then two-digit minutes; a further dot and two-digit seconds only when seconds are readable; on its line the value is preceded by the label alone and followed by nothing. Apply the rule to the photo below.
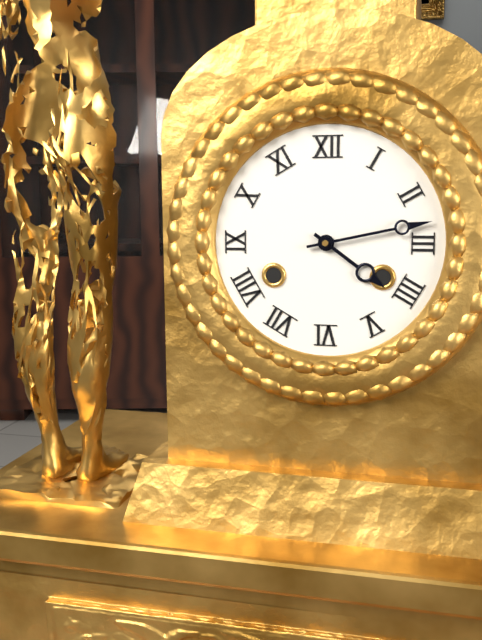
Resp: 4.13
